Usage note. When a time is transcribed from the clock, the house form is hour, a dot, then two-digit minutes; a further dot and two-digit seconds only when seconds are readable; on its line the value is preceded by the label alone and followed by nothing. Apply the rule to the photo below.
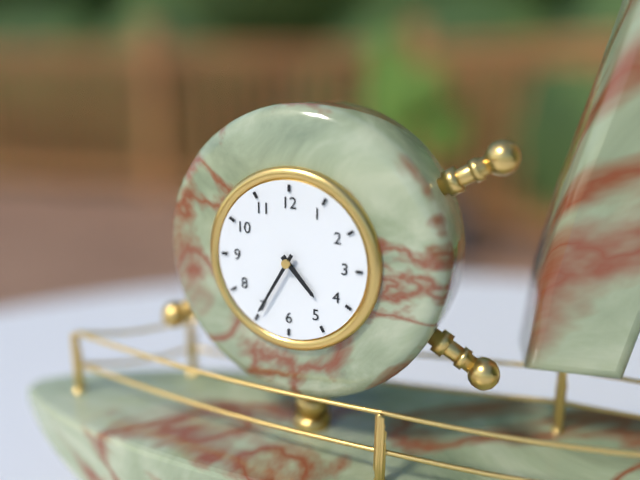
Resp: 4.35
